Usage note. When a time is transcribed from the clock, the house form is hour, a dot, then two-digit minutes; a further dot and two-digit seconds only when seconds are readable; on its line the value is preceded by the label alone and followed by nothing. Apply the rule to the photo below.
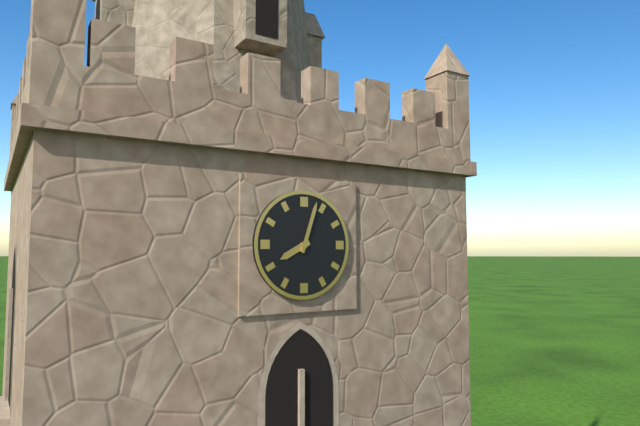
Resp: 8.03
